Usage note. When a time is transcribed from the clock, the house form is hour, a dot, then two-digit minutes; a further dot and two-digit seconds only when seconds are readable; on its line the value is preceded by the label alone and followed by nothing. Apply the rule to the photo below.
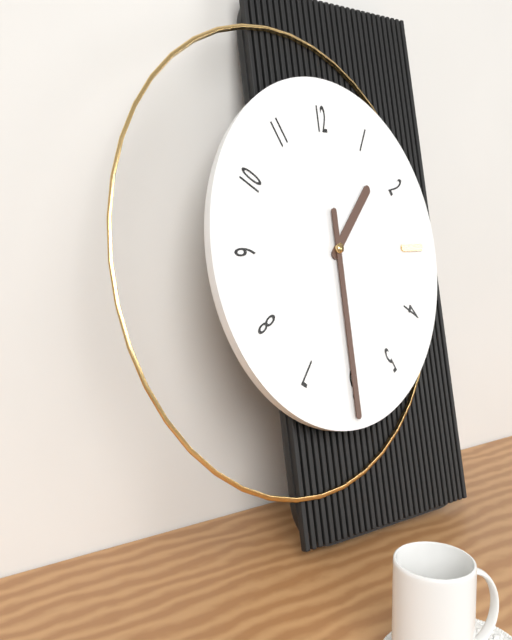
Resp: 1.30
